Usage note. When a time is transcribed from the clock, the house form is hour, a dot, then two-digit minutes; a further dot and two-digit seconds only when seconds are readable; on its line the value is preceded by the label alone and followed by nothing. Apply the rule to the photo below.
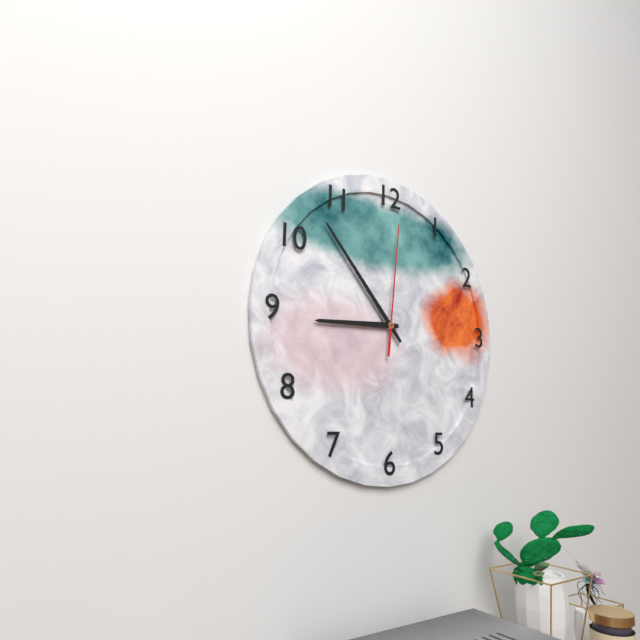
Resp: 8.53.01
